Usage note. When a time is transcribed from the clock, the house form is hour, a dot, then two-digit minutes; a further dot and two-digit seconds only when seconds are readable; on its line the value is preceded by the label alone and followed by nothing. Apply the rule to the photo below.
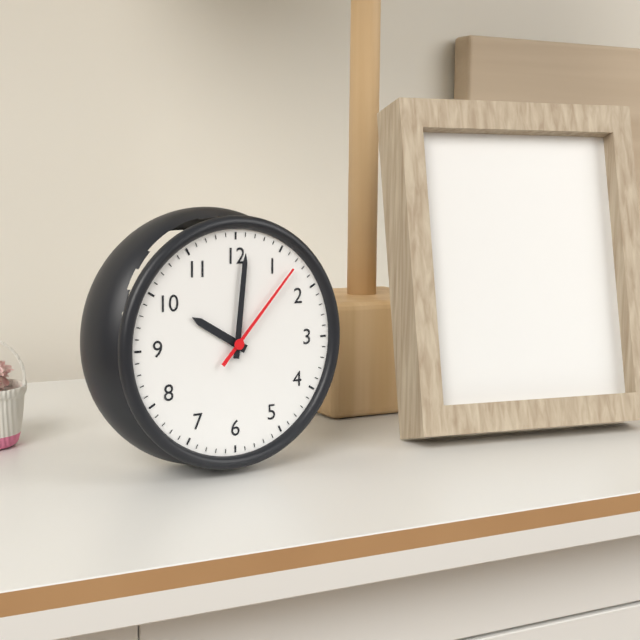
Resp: 10.01.07
